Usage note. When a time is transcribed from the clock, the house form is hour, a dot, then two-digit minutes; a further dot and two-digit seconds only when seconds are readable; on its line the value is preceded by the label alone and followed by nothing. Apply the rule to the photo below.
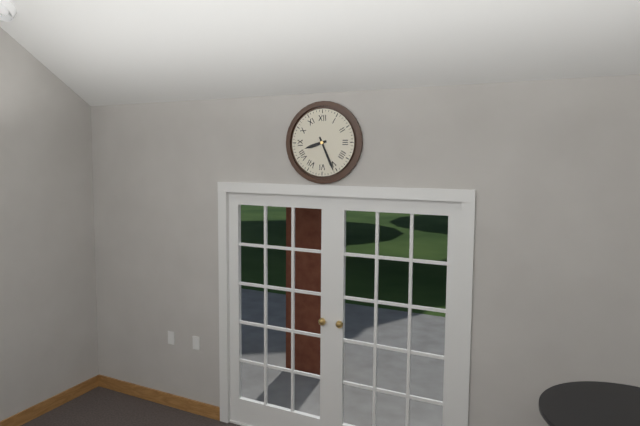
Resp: 8.26
